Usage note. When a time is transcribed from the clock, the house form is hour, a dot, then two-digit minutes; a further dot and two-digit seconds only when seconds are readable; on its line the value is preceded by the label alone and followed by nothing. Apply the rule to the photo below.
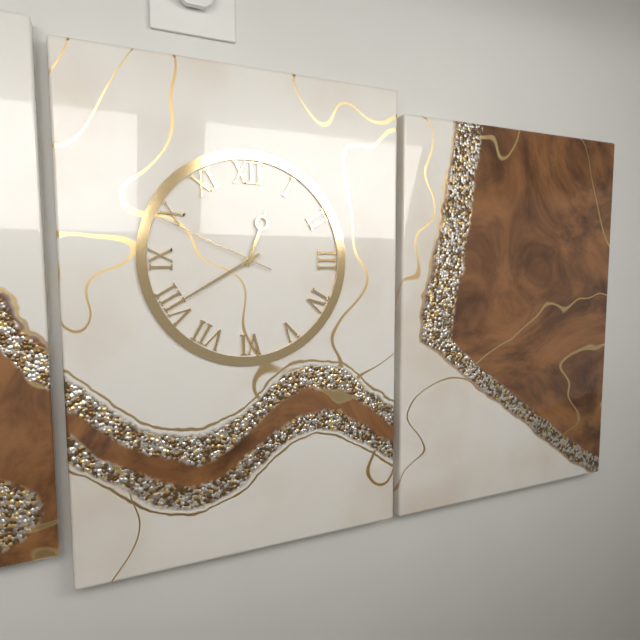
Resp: 12.40.49
